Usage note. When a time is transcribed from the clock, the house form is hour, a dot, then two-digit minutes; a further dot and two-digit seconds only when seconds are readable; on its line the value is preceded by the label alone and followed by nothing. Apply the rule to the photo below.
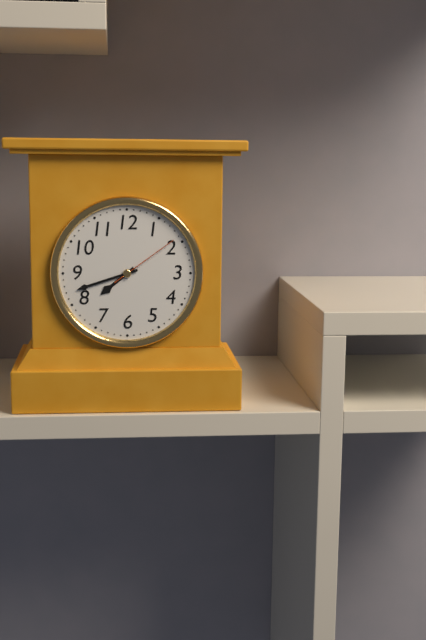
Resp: 7.42.09
